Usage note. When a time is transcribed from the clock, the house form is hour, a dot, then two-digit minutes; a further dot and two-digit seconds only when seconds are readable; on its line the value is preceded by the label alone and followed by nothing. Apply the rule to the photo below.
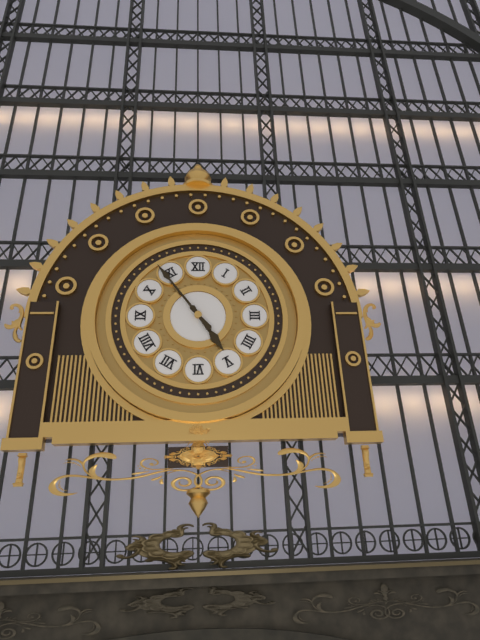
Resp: 4.54
